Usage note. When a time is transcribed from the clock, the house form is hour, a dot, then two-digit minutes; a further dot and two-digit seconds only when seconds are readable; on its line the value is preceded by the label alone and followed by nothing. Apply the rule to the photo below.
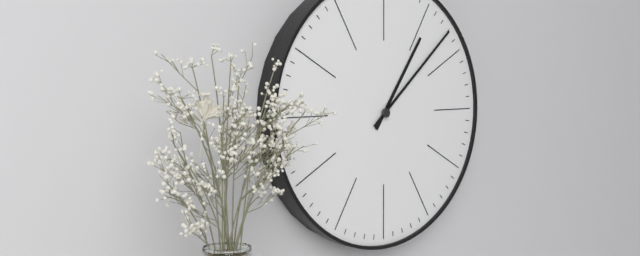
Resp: 1.08
